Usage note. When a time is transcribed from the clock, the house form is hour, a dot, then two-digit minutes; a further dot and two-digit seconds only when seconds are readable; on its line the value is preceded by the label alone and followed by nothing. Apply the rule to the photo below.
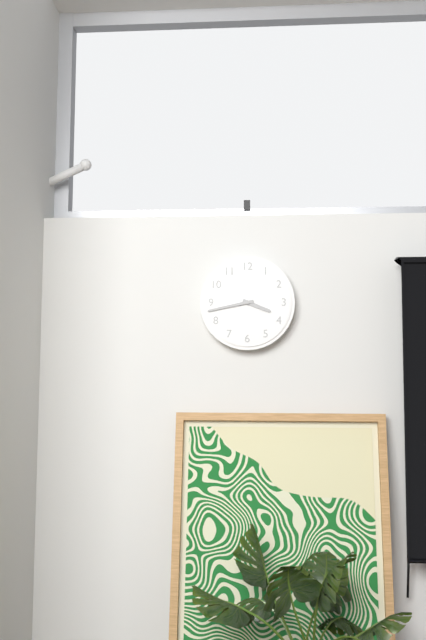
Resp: 3.43
